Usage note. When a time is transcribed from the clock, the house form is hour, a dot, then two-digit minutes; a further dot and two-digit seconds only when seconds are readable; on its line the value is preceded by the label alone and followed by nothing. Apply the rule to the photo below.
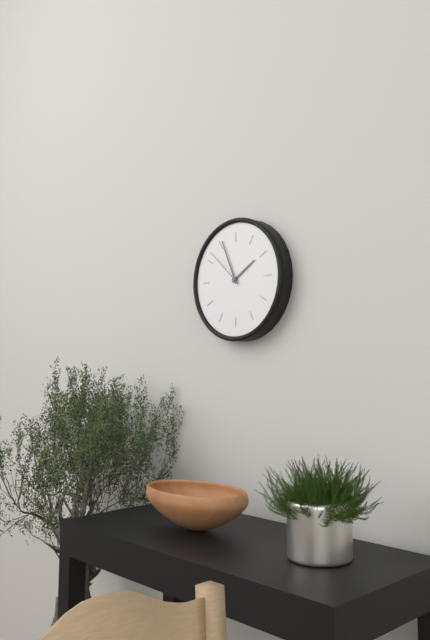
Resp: 1.56
